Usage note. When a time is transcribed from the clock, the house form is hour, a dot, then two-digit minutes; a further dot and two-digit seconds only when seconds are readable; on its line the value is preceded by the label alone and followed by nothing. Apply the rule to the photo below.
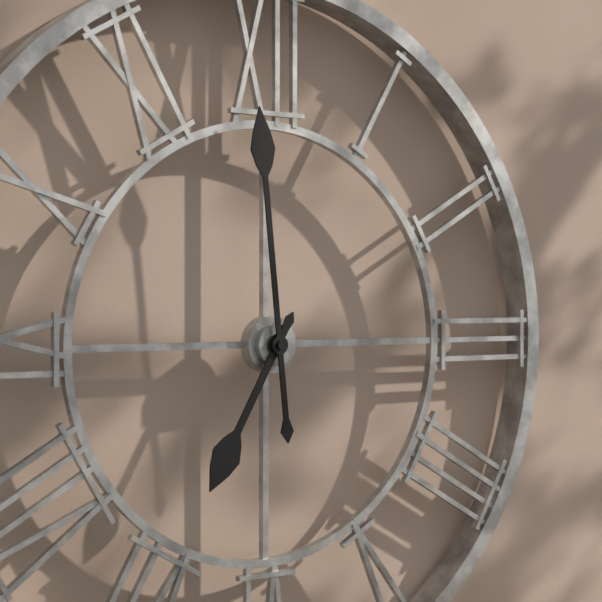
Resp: 6.59
